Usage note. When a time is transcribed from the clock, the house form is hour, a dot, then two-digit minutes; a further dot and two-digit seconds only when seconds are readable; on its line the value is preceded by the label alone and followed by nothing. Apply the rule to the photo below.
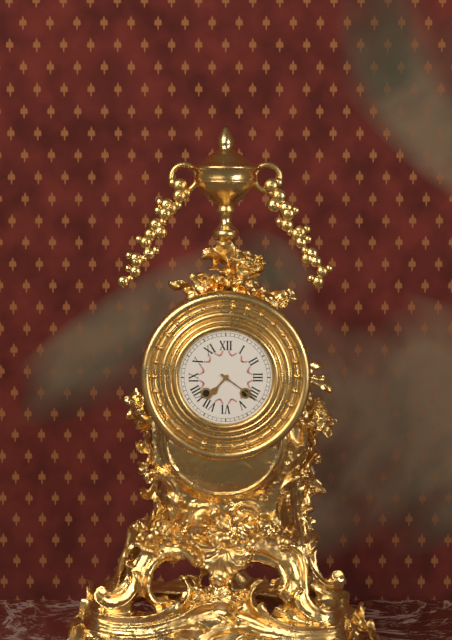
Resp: 7.21
